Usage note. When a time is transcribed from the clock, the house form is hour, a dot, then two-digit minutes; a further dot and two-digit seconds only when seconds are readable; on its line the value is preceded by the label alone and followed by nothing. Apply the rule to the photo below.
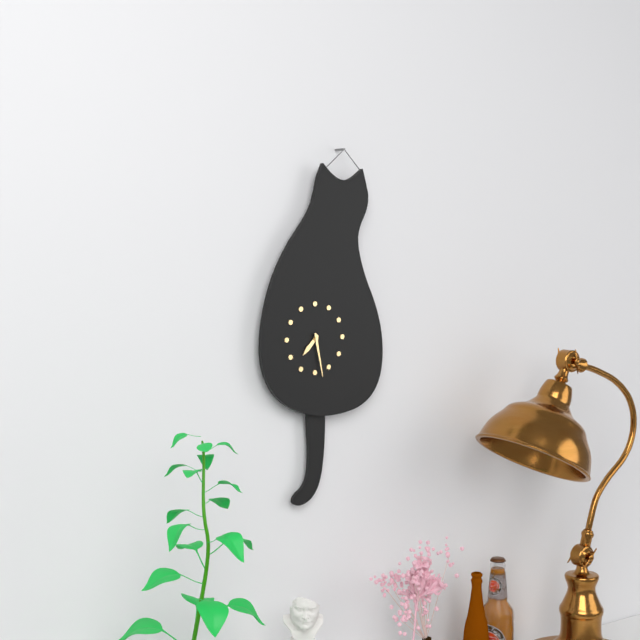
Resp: 7.28
